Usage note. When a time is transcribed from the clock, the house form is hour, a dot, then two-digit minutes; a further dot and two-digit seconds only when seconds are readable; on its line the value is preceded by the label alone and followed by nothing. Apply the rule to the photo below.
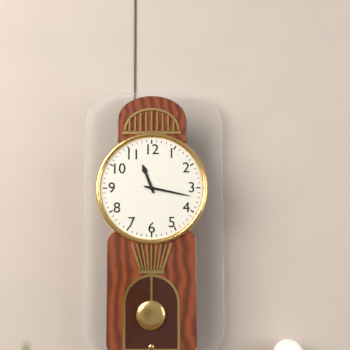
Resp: 11.17
